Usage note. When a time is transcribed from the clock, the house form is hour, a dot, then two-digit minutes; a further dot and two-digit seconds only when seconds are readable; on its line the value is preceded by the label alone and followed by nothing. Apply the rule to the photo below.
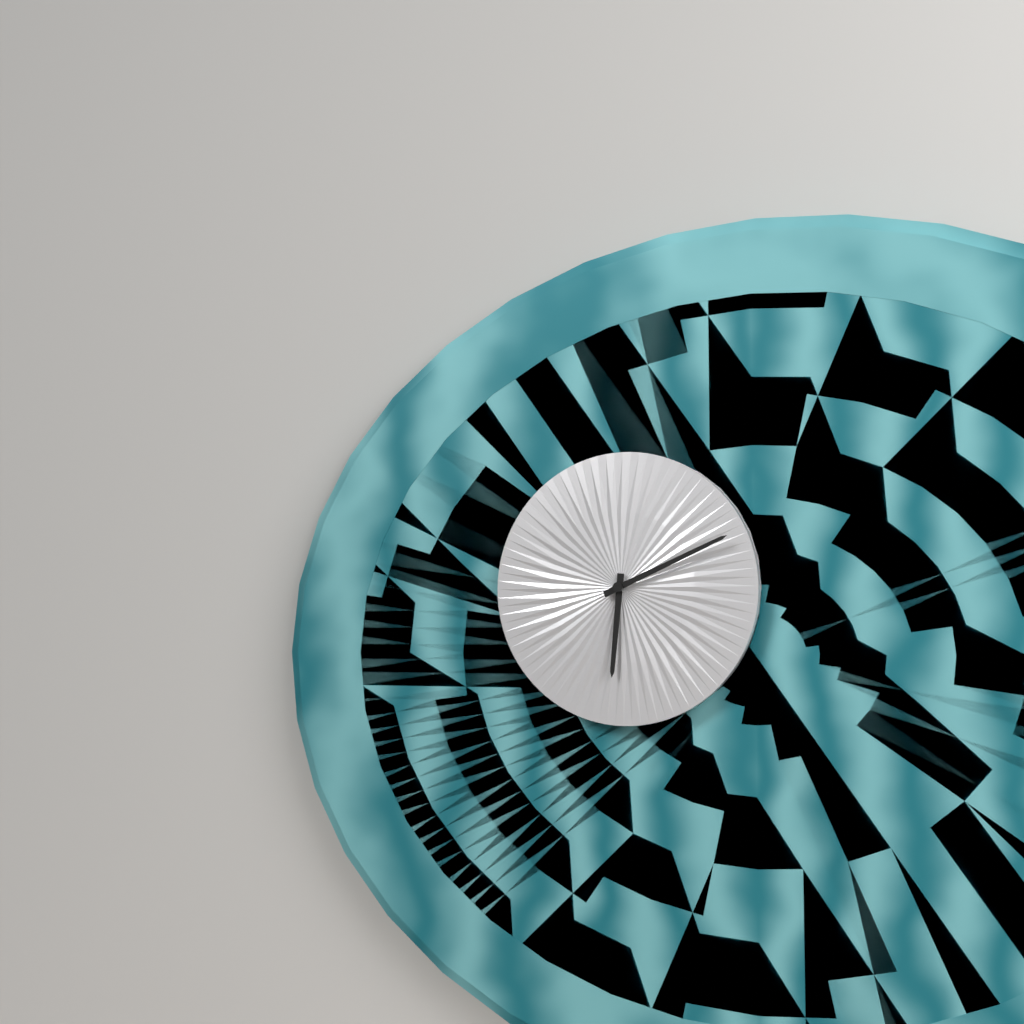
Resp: 6.11
